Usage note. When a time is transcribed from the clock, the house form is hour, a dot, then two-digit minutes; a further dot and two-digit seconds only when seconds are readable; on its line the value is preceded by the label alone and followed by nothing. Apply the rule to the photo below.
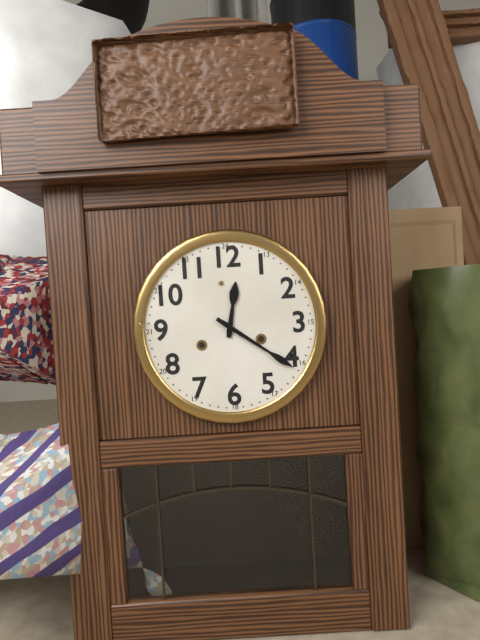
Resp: 12.21
